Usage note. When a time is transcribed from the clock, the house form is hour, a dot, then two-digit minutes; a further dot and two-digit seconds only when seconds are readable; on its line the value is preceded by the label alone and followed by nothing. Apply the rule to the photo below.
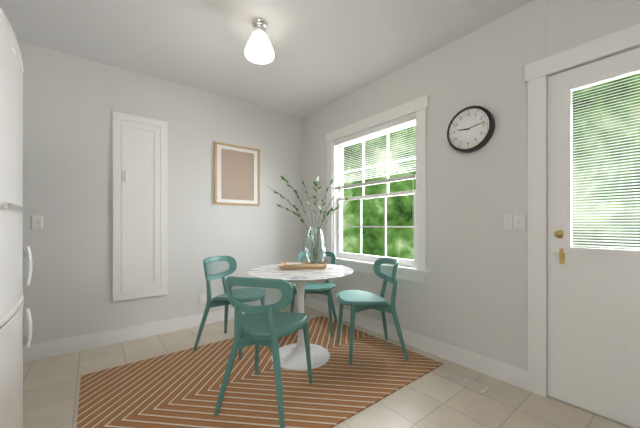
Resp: 9.13
